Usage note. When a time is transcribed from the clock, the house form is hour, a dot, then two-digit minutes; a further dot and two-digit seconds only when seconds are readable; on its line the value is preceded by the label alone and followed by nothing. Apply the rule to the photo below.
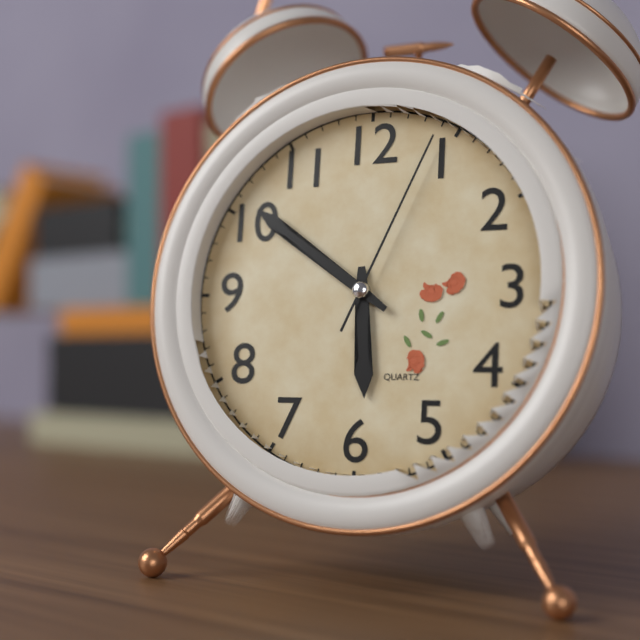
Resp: 5.51.04
